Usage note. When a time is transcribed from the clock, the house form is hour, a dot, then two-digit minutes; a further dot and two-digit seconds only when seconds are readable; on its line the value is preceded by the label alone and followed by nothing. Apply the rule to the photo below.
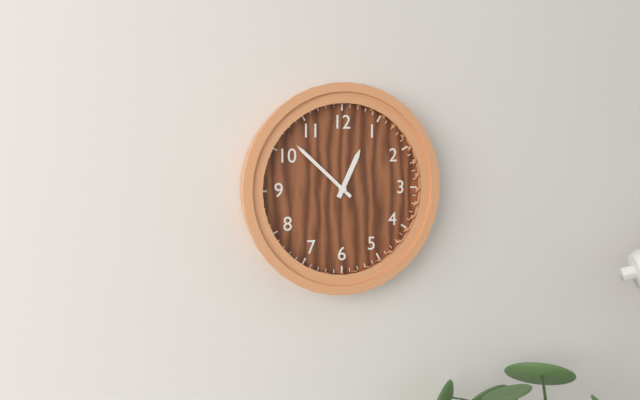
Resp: 12.52
